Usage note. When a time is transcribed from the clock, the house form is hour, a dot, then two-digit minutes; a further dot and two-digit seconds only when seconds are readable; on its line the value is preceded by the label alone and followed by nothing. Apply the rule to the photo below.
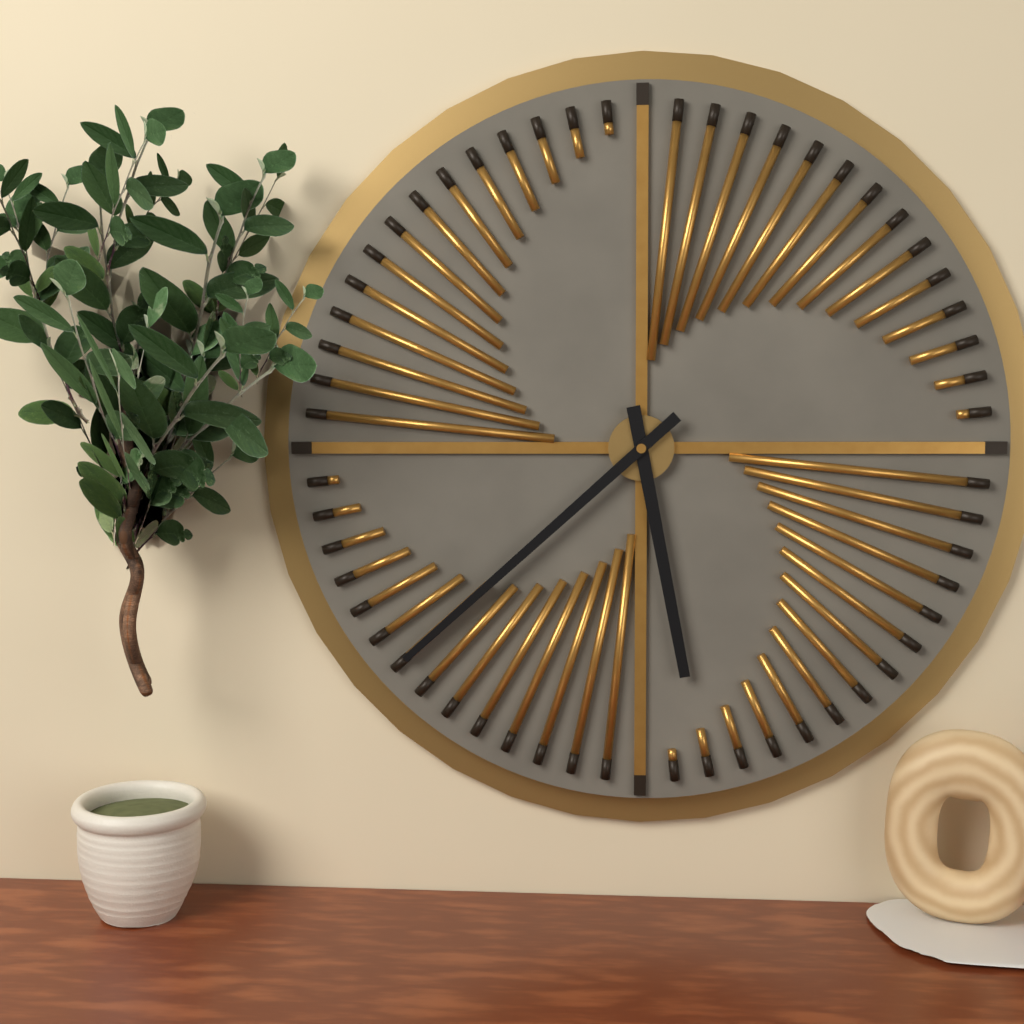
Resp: 5.38
